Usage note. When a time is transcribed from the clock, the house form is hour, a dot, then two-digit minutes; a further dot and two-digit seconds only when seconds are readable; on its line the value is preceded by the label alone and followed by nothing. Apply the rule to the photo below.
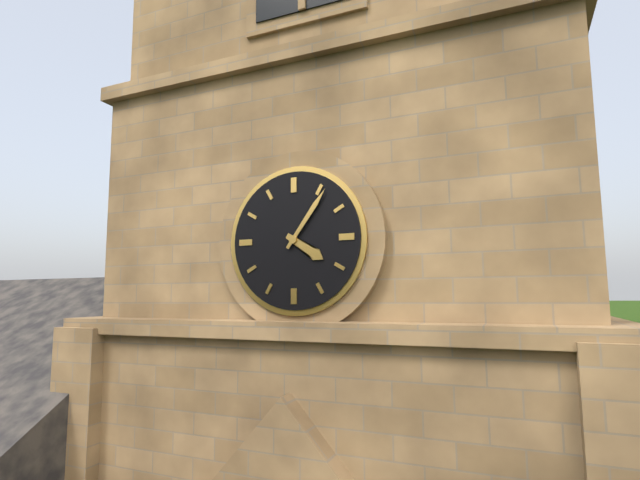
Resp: 4.06
